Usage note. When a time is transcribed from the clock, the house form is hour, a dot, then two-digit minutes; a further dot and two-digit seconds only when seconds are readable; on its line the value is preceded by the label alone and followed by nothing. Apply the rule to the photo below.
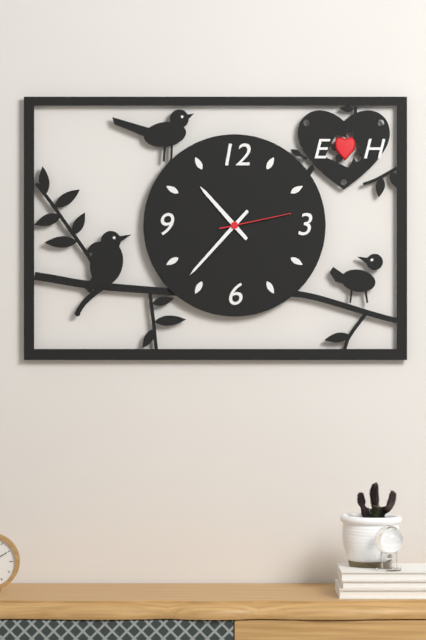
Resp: 10.37.13
